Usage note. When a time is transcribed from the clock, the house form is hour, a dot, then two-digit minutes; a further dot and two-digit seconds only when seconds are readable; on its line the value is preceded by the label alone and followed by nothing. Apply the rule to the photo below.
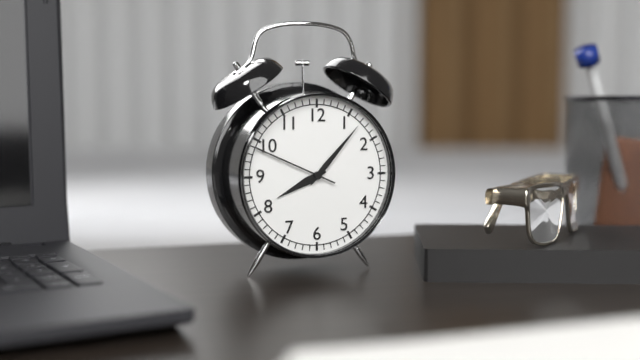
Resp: 8.07.49
